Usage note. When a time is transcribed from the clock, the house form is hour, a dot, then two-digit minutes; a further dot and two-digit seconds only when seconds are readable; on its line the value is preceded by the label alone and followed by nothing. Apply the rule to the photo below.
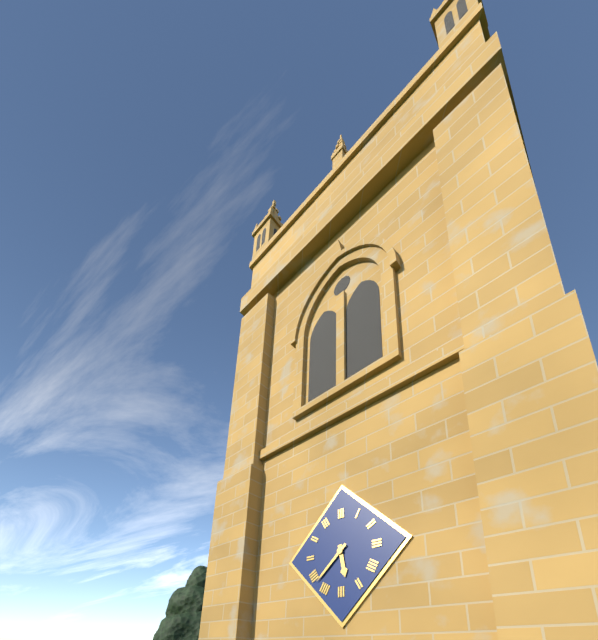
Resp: 5.38
